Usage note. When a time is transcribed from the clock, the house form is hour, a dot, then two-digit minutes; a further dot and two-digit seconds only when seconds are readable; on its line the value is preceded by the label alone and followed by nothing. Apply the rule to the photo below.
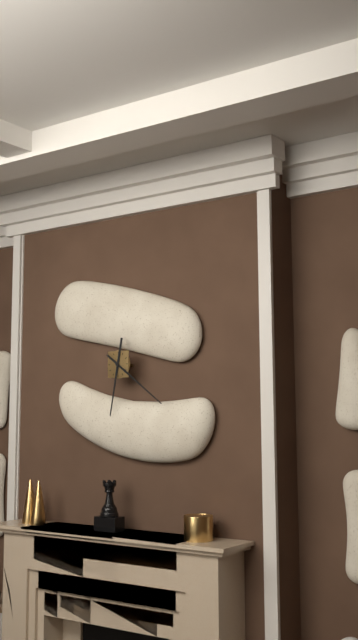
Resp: 6.21
